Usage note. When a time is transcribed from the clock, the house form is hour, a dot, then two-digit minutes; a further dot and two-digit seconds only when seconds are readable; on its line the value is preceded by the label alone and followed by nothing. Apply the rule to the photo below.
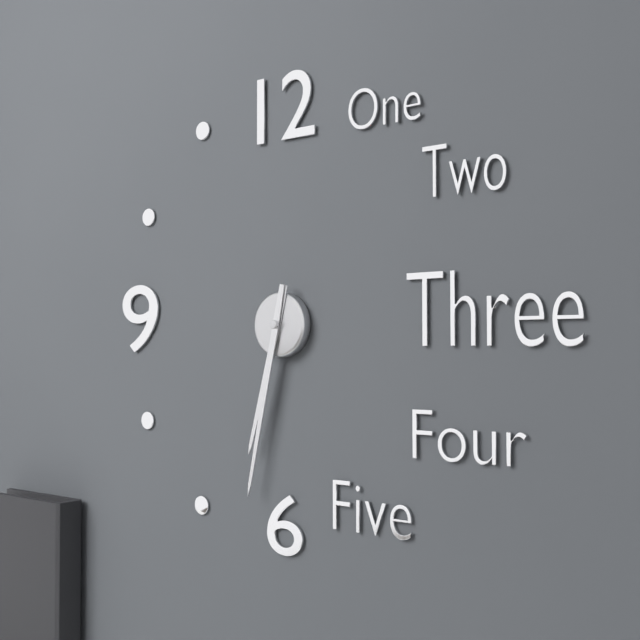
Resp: 6.32
